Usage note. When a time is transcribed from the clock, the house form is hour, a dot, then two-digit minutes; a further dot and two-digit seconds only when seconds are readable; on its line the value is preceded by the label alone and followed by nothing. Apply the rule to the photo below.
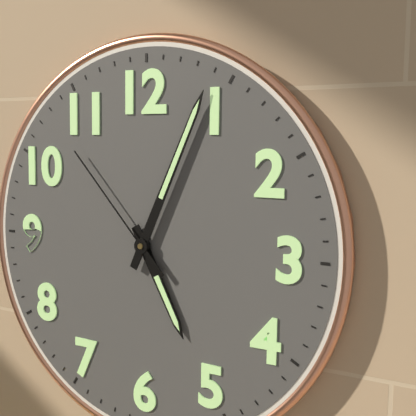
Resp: 5.04.53
